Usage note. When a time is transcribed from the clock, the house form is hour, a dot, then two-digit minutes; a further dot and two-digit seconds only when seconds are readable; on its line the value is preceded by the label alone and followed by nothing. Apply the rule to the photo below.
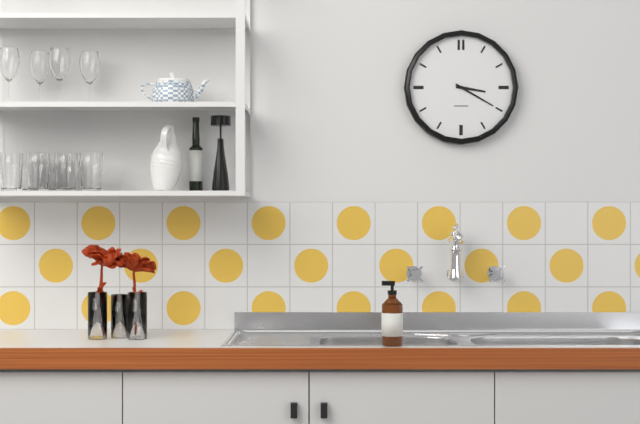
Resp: 3.20
